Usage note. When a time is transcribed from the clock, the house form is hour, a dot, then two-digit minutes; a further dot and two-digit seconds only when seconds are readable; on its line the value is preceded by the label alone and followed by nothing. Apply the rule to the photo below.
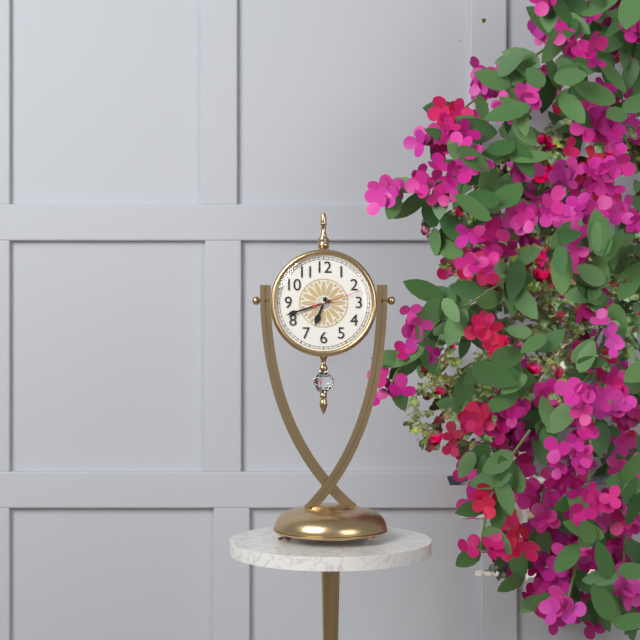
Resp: 6.42.12
